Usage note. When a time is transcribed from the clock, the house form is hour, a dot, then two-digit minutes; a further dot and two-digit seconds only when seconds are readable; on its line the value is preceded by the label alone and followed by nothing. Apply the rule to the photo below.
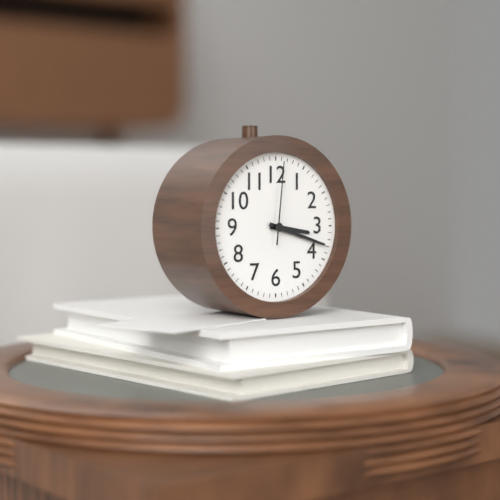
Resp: 3.18.01
